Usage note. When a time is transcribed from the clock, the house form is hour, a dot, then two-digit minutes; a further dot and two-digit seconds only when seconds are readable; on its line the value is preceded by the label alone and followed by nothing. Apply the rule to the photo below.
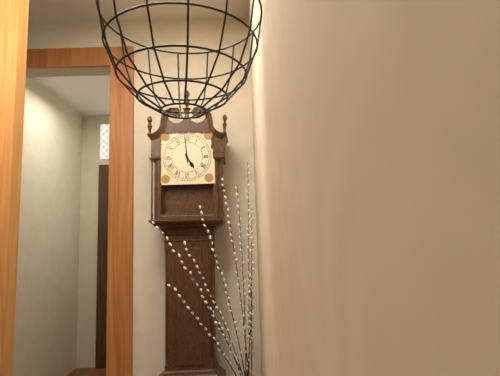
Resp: 4.59
